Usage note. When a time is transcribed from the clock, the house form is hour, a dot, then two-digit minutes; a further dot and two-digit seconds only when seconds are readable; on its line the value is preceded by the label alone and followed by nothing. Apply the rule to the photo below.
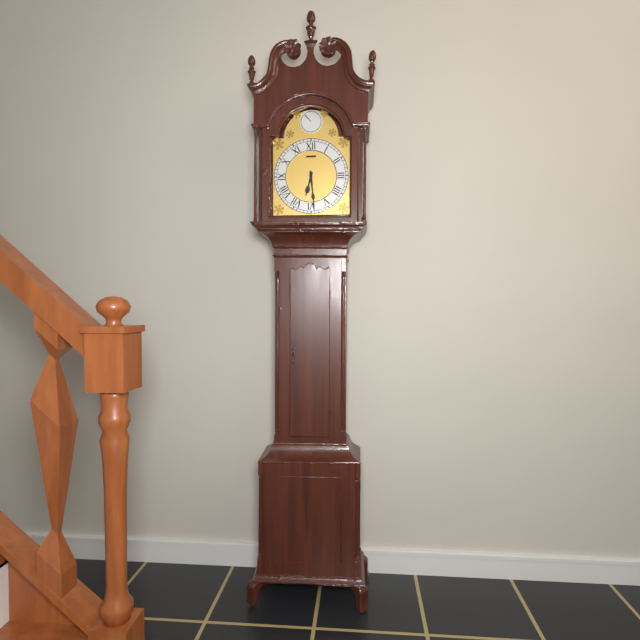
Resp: 6.29
